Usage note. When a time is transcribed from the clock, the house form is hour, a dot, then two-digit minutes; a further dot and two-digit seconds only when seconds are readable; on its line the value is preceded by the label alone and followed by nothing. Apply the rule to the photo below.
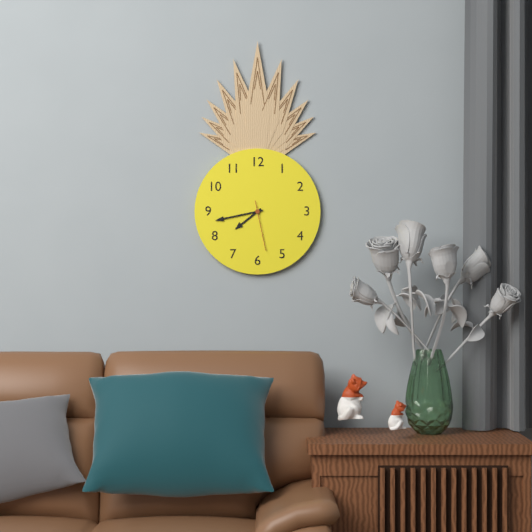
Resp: 7.43.28
